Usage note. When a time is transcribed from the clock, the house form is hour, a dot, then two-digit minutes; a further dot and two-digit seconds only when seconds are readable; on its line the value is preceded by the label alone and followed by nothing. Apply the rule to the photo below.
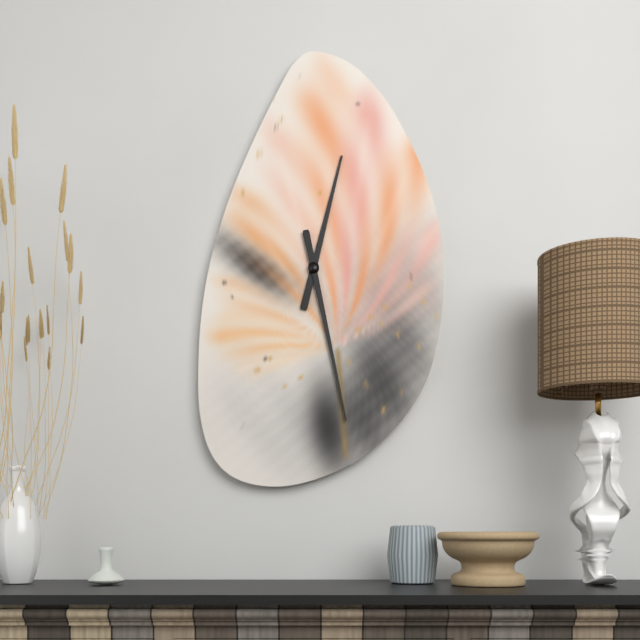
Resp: 12.28
